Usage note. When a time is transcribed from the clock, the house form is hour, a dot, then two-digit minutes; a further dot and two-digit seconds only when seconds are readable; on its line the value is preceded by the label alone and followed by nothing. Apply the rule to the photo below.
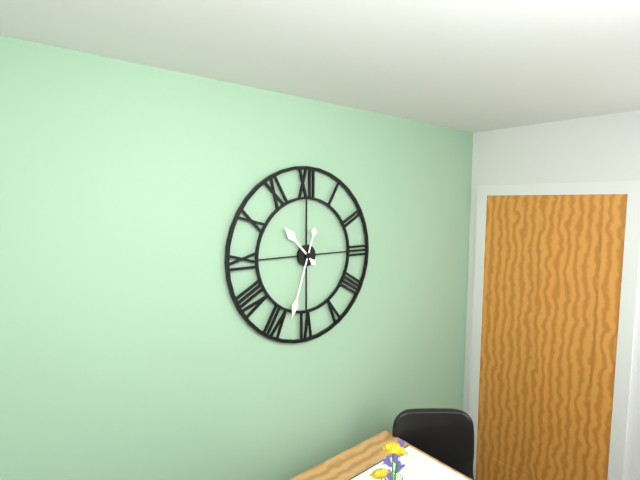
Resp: 10.33
